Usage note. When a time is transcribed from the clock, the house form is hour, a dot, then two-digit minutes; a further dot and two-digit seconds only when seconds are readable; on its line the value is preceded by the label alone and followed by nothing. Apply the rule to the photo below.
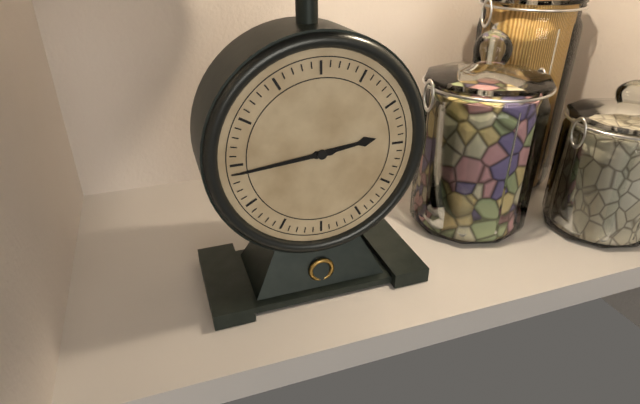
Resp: 2.44
